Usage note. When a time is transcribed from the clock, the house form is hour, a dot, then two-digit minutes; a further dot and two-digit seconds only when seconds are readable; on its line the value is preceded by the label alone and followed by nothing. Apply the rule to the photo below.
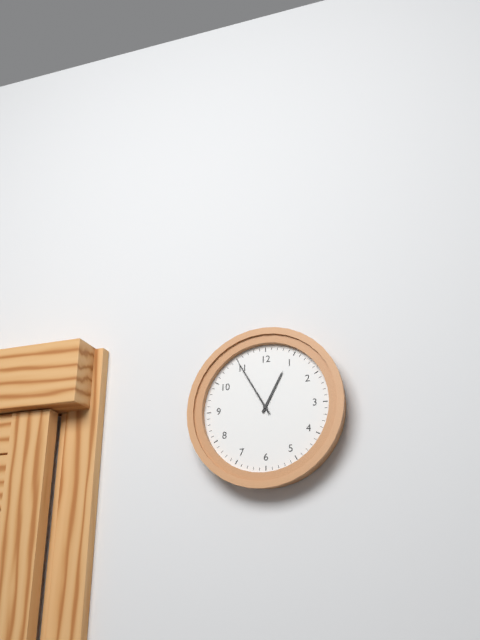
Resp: 12.55
